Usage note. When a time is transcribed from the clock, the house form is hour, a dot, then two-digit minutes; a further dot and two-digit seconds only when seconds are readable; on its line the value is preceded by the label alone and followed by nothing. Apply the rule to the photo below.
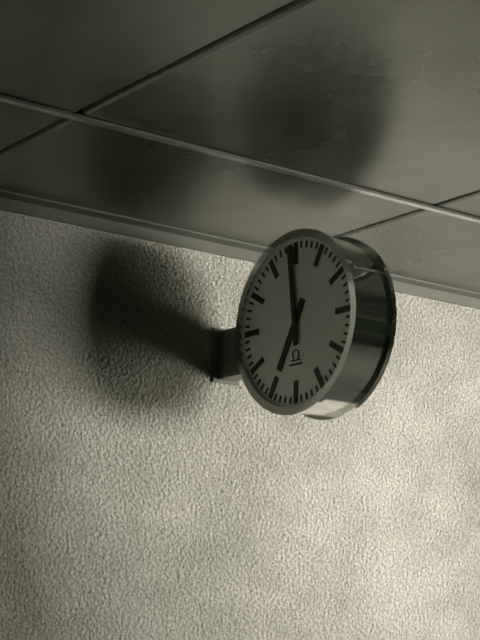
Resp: 6.59
